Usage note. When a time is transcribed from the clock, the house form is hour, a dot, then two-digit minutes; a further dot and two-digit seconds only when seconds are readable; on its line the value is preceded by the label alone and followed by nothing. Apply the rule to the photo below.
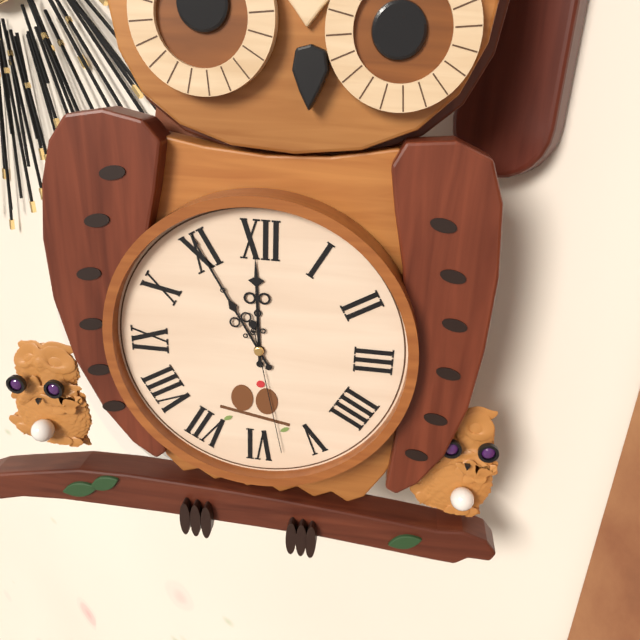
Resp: 11.55.28
